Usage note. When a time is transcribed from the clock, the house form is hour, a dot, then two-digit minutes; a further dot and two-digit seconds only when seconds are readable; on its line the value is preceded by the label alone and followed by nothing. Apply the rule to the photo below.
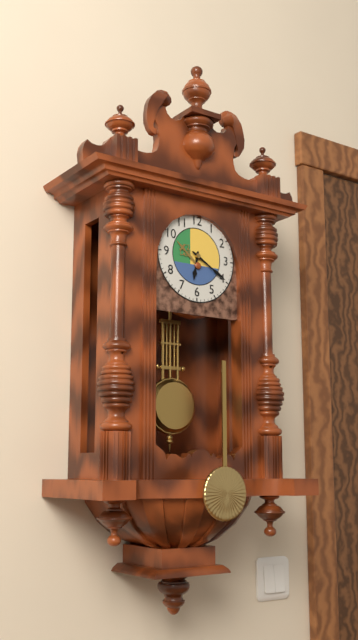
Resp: 6.20
